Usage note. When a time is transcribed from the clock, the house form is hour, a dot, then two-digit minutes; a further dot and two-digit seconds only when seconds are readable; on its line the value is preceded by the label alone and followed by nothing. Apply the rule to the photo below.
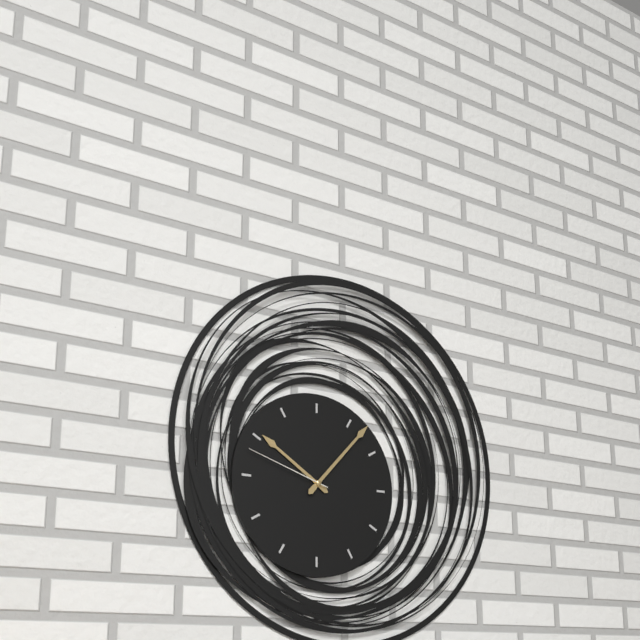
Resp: 10.07.48
